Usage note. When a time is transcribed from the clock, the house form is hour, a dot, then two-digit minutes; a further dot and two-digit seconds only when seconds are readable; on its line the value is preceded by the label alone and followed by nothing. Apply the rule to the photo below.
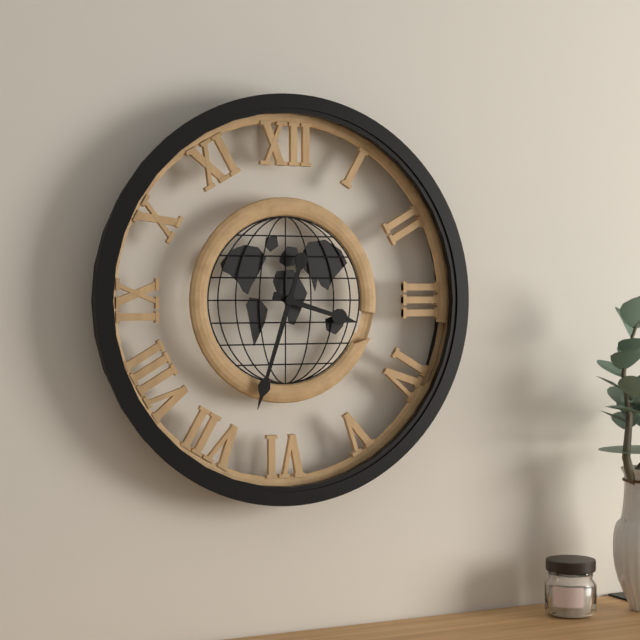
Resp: 3.33
